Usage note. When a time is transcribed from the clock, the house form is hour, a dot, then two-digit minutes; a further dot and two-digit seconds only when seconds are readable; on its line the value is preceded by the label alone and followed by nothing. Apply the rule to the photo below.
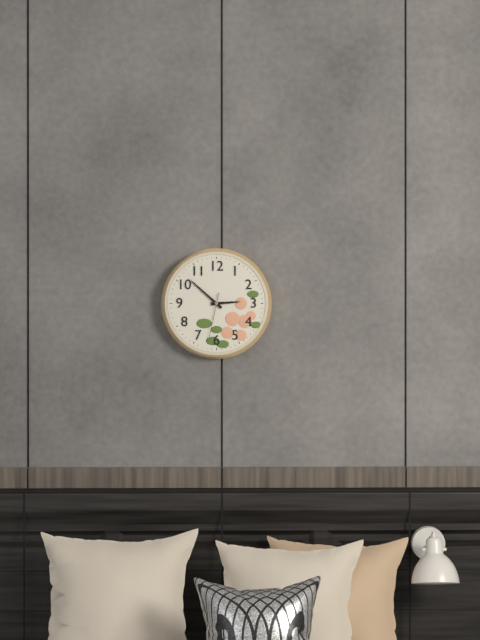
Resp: 2.52.32
